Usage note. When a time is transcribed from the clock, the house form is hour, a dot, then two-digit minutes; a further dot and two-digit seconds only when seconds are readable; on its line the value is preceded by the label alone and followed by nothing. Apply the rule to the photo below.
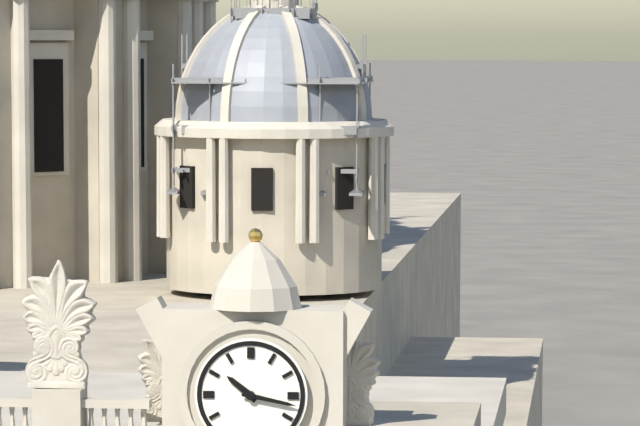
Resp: 10.17
